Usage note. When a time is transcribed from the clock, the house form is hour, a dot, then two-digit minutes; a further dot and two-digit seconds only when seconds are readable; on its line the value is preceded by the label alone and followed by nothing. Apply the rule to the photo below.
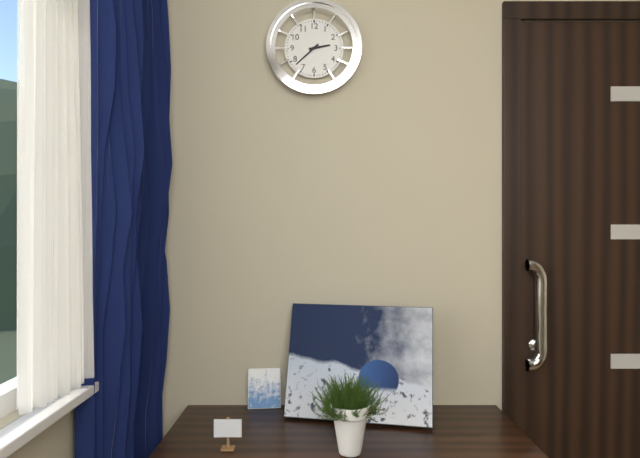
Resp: 2.38
